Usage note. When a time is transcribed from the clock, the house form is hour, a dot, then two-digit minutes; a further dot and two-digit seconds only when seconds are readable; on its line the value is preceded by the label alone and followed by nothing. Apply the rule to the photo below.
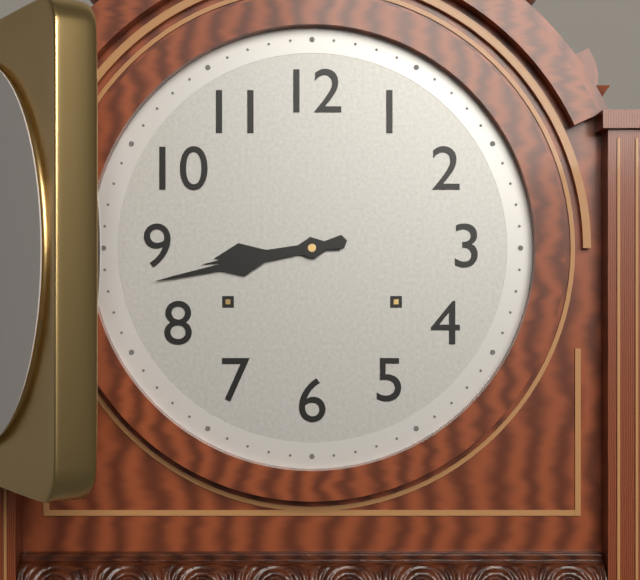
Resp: 8.43
